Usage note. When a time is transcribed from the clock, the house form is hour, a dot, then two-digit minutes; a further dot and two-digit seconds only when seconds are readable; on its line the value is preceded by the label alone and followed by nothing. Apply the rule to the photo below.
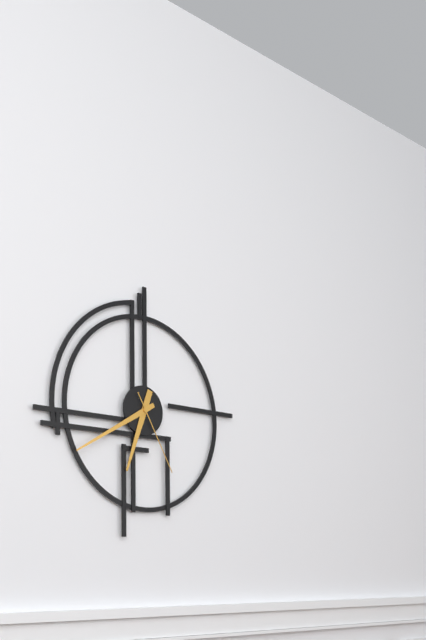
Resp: 6.40.25
